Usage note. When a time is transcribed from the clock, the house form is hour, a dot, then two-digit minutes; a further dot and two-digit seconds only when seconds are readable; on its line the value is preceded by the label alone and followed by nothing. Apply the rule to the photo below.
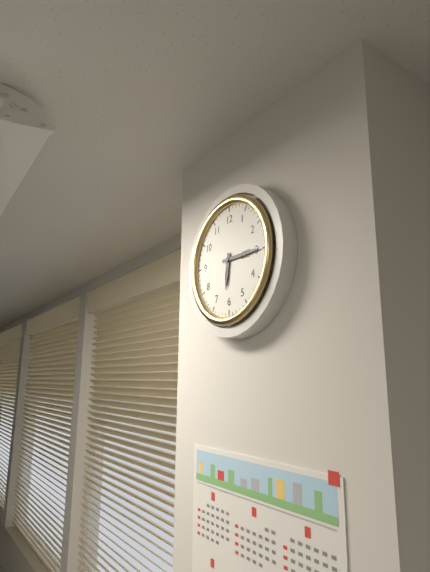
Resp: 6.15
